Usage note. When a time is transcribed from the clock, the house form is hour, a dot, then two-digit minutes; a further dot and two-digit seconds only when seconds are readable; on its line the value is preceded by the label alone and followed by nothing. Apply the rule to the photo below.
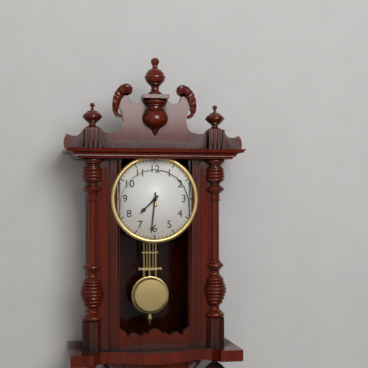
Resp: 7.31
